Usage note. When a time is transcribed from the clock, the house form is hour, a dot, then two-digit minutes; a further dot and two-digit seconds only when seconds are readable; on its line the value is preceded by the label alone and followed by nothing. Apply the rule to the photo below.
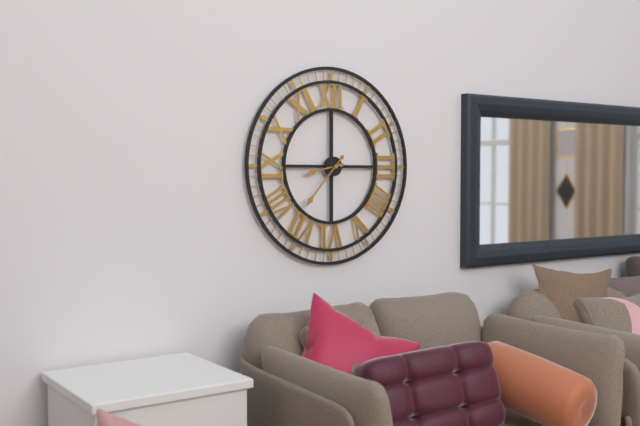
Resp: 8.37
